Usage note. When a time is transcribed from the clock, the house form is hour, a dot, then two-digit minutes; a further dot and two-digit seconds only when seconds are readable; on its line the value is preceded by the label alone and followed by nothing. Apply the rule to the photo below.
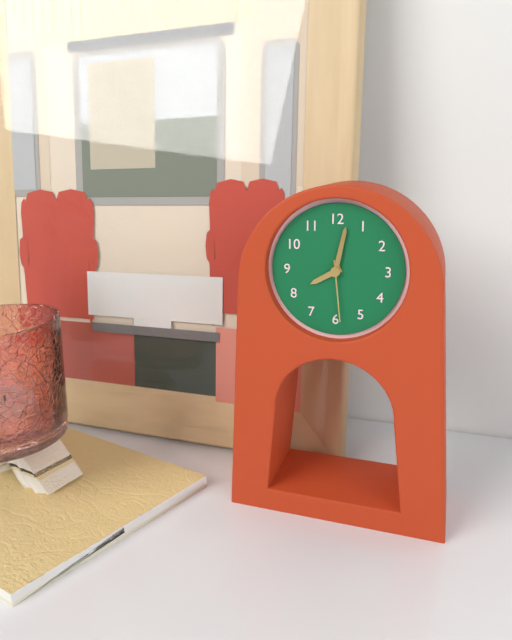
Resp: 8.02.29
